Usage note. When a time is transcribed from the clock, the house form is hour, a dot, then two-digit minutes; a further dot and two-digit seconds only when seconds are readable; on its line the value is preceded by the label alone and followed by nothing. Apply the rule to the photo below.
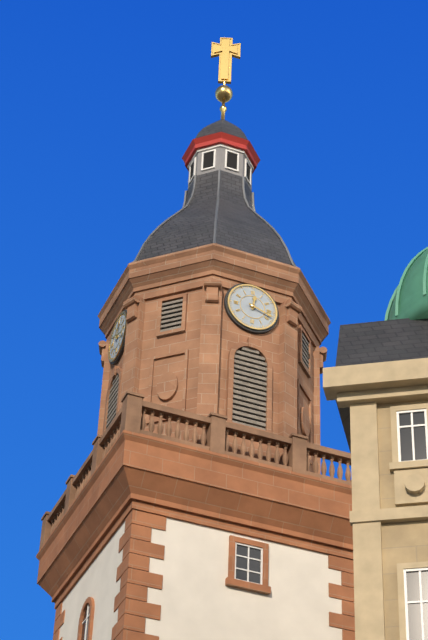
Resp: 12.18
